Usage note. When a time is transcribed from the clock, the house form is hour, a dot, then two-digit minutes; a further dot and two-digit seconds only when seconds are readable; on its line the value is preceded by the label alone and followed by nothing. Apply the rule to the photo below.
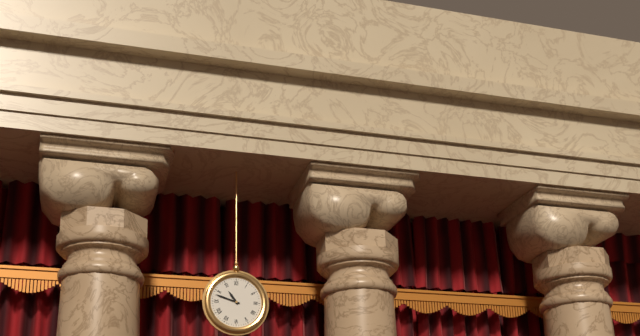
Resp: 10.48
